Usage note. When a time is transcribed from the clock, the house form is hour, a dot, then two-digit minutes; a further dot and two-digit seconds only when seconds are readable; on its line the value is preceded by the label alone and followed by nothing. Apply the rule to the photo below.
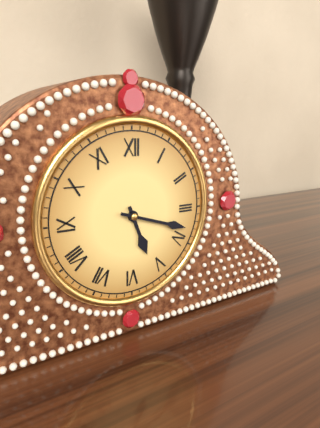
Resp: 5.18
